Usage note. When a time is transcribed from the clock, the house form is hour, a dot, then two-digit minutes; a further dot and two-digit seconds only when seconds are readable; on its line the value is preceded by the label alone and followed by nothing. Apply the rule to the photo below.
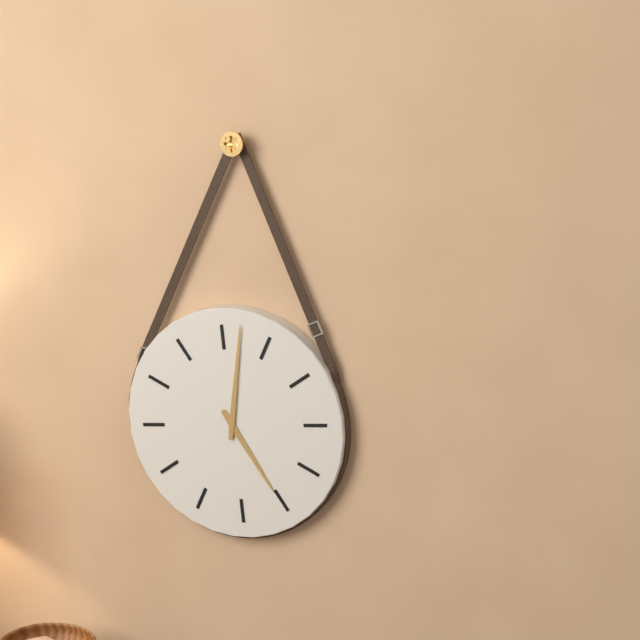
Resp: 5.02
